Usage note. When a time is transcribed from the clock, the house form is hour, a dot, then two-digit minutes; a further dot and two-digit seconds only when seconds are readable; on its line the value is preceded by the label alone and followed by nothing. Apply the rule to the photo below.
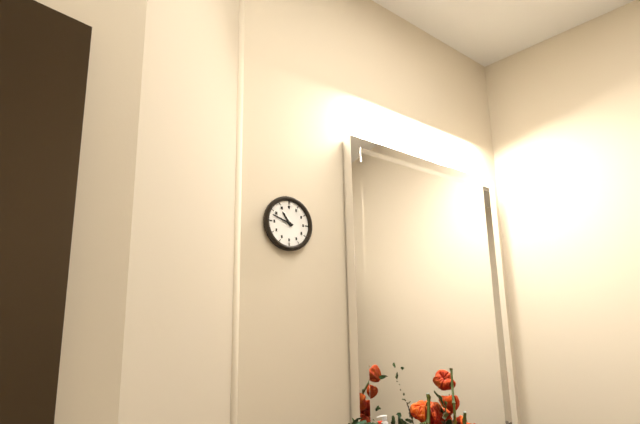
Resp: 10.48
